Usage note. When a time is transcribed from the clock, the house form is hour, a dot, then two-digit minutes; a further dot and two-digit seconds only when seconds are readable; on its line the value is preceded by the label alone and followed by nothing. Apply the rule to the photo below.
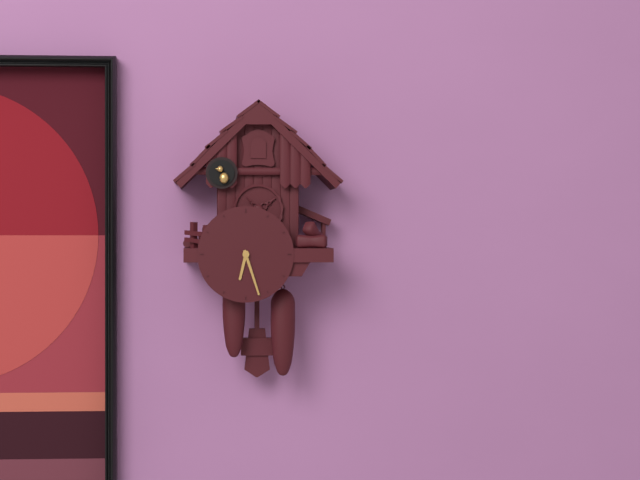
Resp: 6.27
